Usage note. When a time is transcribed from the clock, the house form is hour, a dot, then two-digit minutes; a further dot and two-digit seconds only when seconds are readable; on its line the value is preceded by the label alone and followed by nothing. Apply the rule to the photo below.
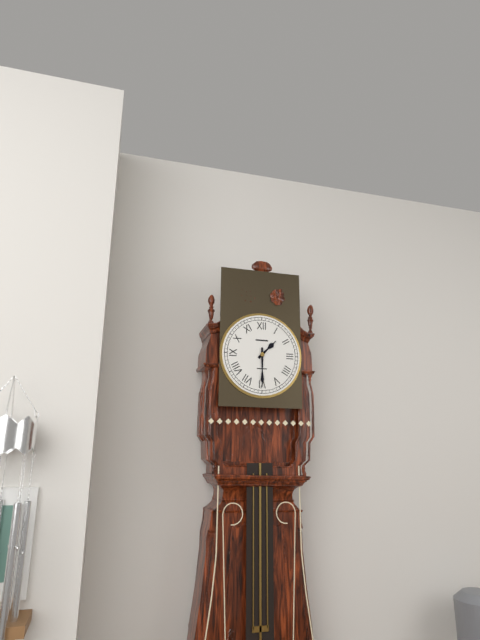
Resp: 1.30
